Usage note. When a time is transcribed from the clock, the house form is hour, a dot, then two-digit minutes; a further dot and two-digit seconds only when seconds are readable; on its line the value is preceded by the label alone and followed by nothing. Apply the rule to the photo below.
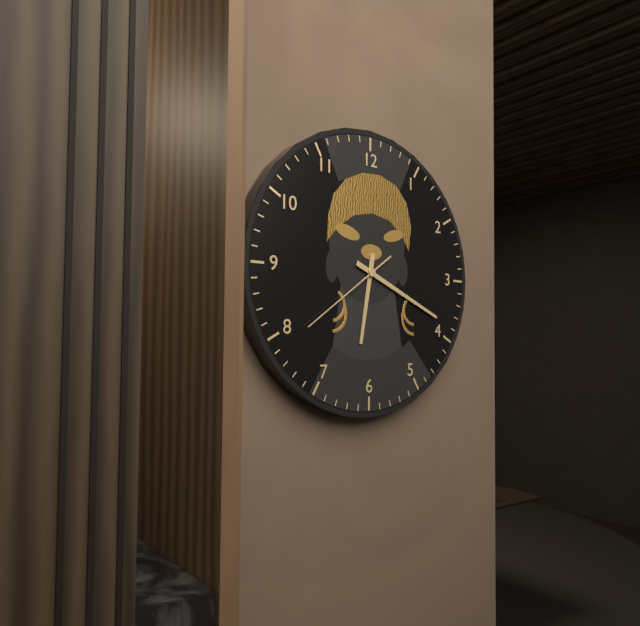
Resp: 6.19.39
